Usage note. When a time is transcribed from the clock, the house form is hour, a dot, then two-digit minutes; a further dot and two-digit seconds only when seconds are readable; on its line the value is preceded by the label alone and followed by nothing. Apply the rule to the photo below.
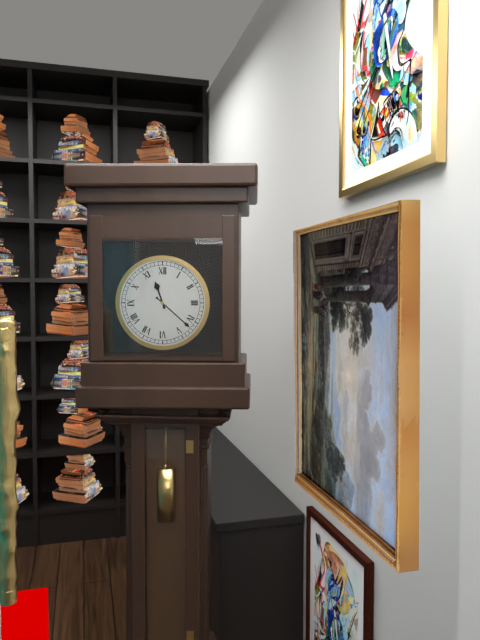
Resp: 11.22
